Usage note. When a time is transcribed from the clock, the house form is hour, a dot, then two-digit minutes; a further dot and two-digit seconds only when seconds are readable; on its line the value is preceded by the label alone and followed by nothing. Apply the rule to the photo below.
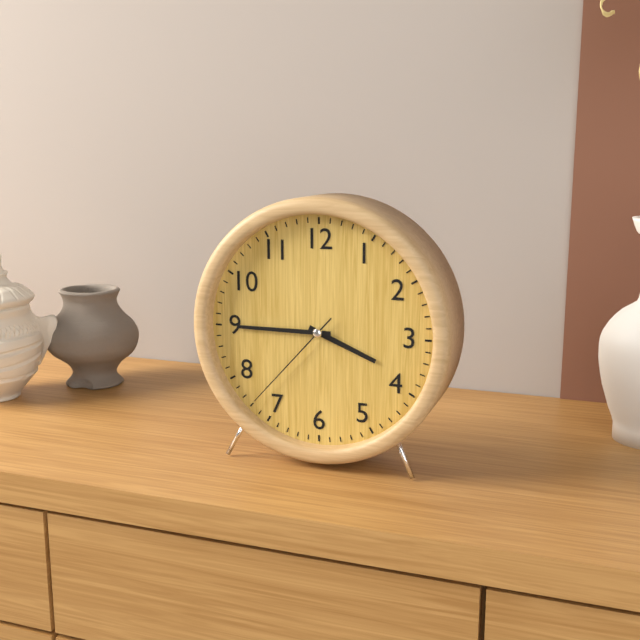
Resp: 3.45.37
